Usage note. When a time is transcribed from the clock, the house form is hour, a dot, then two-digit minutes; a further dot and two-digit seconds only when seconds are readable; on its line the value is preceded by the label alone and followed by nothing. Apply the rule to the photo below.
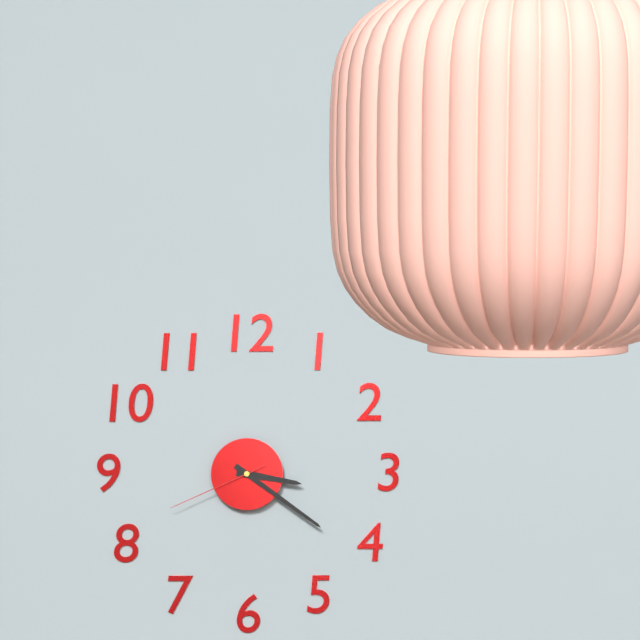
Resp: 3.21.41
